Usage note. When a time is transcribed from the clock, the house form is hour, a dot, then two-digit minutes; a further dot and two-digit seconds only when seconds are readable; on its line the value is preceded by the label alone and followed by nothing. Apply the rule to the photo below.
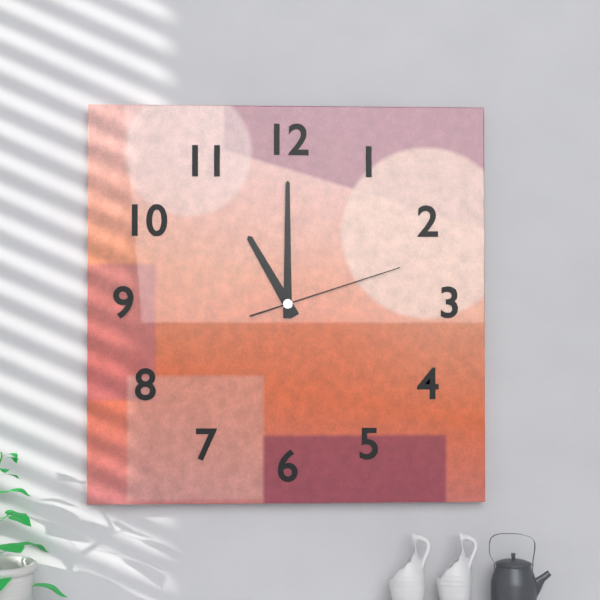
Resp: 11.00.12
